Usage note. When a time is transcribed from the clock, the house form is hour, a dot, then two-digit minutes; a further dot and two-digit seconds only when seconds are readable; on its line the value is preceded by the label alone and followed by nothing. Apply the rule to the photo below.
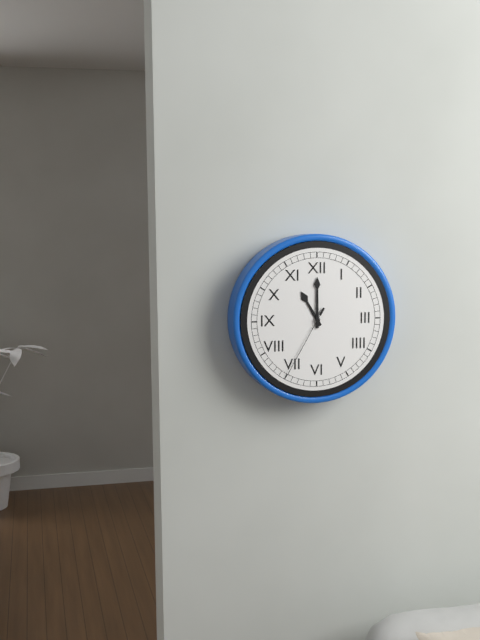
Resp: 11.00.35
